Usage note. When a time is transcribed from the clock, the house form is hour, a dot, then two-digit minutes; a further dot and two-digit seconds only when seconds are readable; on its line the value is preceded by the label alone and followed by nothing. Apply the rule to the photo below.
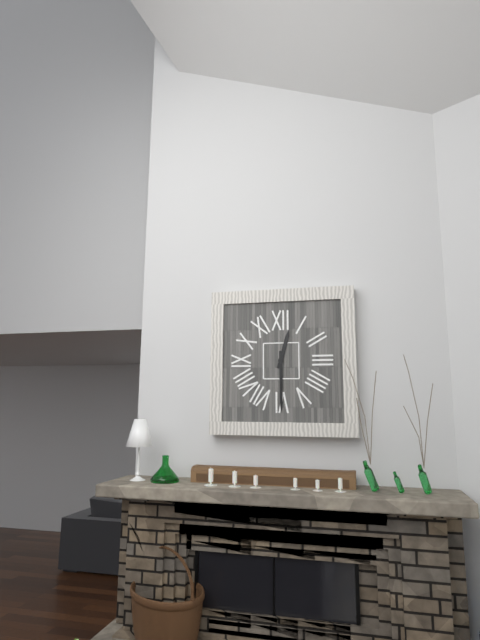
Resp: 12.30
